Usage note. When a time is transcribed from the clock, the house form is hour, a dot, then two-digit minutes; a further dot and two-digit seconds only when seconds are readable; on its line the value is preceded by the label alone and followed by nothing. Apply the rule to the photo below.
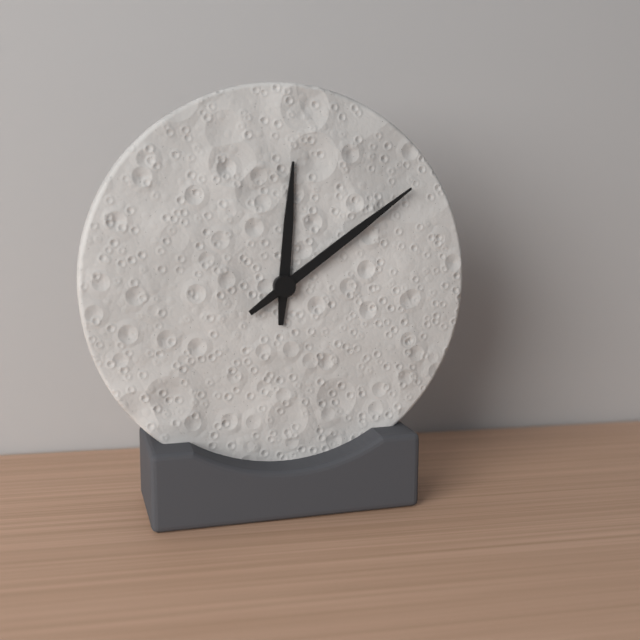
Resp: 12.09
